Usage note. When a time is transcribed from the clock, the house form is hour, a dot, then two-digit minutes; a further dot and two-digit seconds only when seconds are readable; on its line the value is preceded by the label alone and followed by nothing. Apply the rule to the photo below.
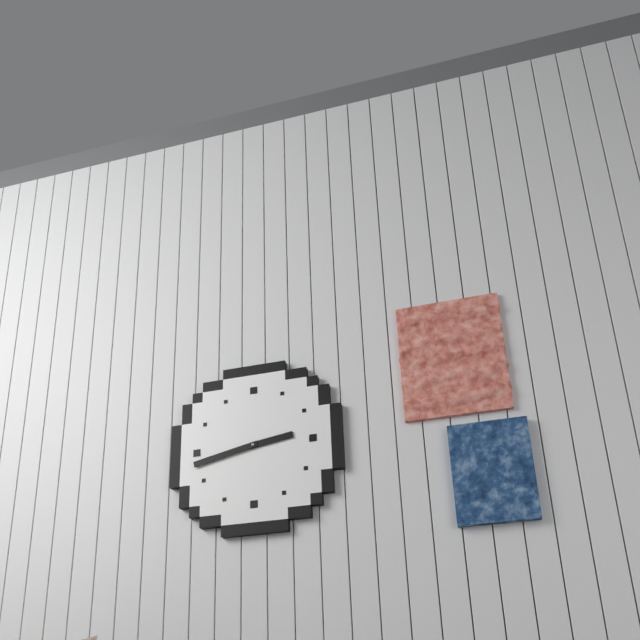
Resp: 2.43
